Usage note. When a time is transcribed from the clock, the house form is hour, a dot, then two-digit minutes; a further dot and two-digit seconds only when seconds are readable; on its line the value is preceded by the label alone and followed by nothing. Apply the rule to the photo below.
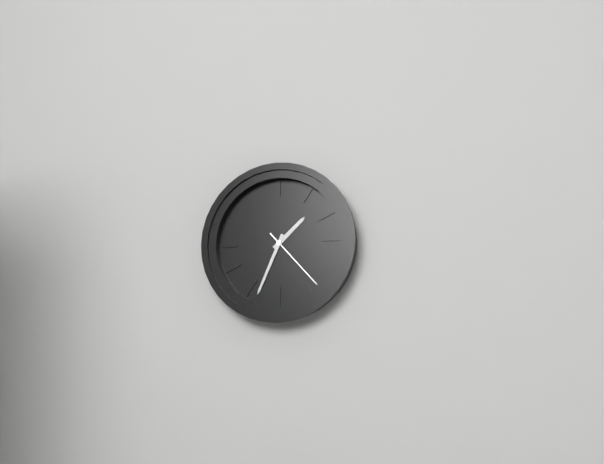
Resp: 1.34.23
